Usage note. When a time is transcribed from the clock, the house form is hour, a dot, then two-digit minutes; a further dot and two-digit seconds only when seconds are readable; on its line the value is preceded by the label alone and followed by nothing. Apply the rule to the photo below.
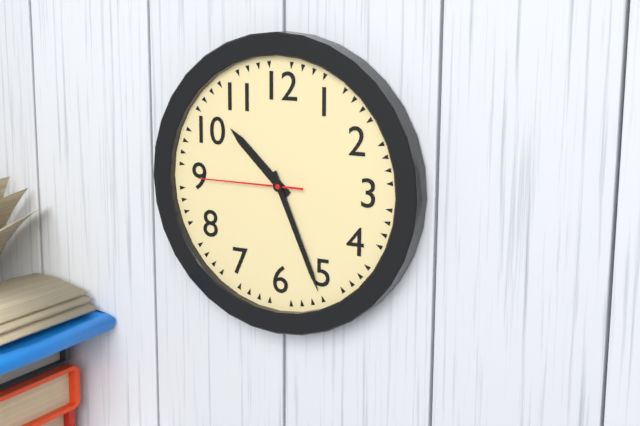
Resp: 10.26.45
